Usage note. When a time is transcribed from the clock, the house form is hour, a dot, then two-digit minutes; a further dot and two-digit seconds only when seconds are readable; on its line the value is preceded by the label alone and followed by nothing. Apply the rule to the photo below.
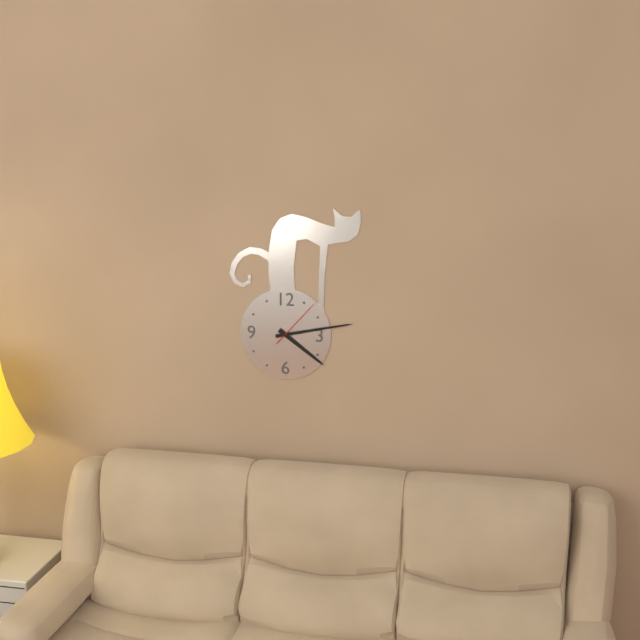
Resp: 4.13.07
